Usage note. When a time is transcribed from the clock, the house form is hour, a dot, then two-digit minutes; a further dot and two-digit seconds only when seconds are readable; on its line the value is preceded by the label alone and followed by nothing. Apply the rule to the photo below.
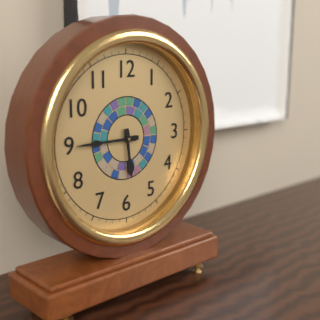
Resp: 5.45
